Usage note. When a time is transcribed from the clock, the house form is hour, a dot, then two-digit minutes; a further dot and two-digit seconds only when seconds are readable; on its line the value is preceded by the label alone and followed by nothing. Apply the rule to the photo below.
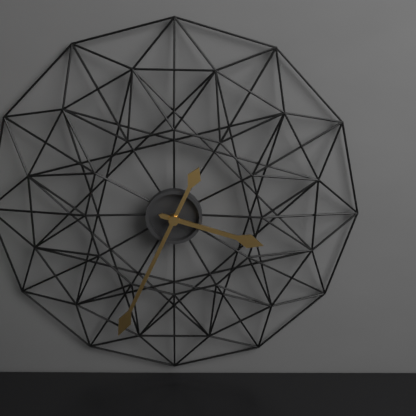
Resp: 3.34
